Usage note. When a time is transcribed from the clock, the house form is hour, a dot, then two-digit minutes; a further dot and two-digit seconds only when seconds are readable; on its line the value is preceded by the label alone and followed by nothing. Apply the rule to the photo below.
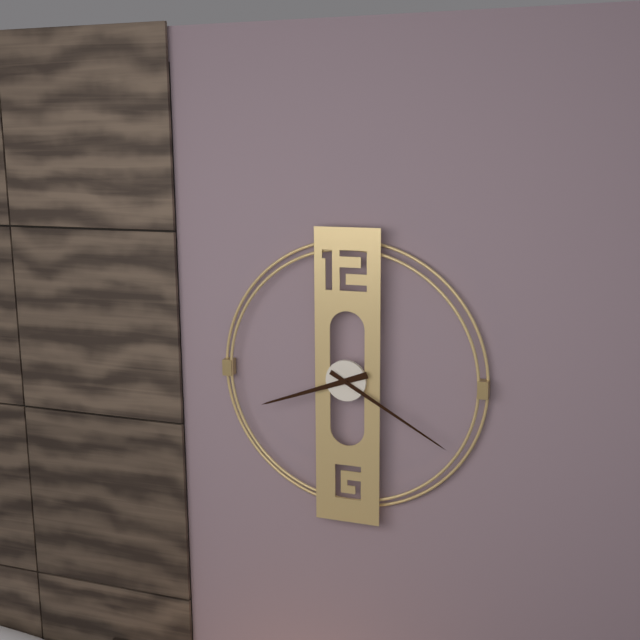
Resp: 8.20
